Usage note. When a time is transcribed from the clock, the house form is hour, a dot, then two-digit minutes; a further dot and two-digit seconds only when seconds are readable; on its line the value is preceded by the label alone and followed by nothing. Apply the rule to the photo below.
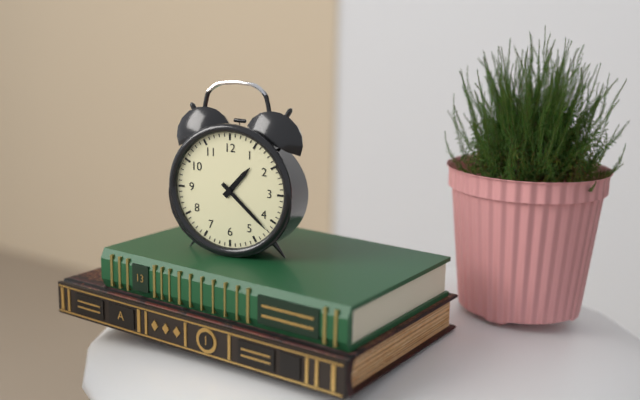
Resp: 1.22
